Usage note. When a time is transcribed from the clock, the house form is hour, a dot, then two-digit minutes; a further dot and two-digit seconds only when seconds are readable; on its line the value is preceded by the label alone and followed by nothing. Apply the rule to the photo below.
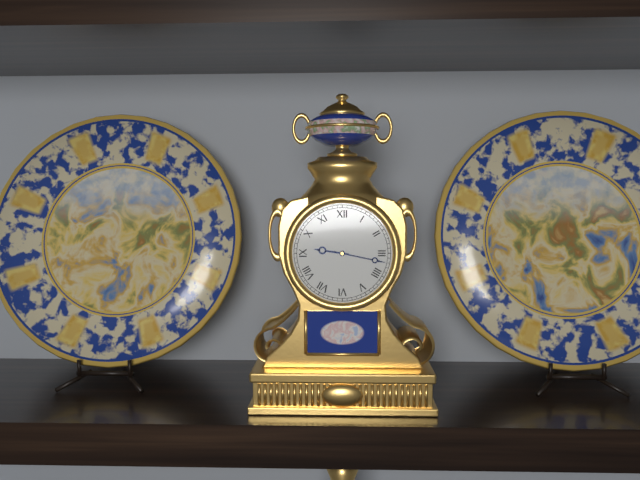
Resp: 9.17
